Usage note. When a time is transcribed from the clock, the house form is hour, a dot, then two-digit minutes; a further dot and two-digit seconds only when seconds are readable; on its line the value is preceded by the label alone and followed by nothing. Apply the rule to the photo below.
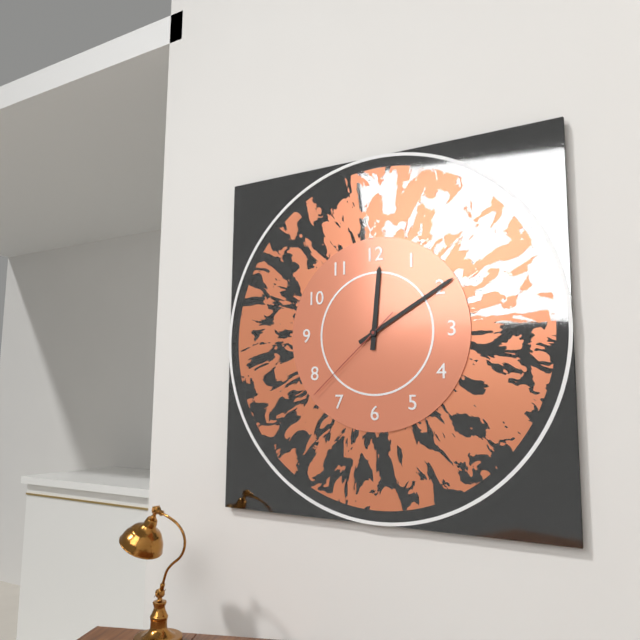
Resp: 12.10.38
